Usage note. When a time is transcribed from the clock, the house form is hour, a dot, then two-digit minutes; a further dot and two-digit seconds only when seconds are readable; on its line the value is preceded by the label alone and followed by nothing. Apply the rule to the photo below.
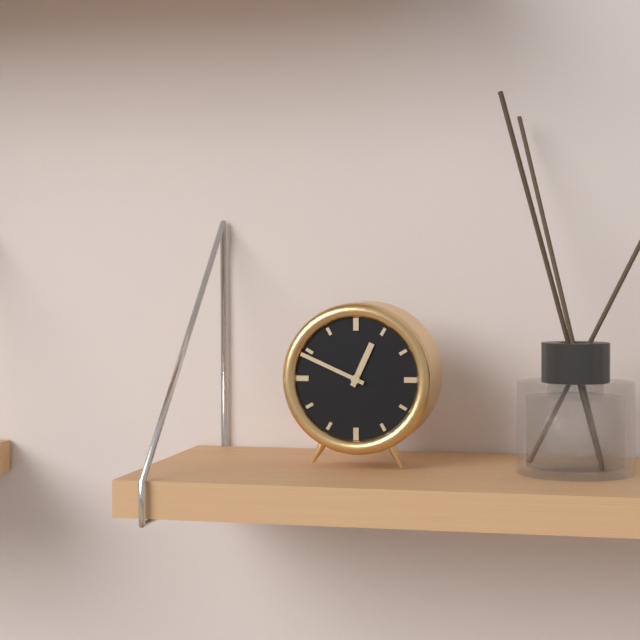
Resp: 12.49
